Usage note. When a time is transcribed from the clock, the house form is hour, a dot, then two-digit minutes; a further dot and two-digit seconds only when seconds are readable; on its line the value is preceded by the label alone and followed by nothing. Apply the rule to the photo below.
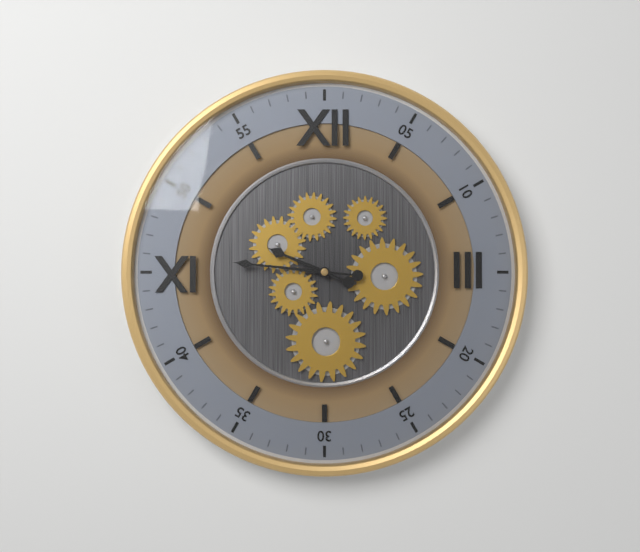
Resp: 9.46
